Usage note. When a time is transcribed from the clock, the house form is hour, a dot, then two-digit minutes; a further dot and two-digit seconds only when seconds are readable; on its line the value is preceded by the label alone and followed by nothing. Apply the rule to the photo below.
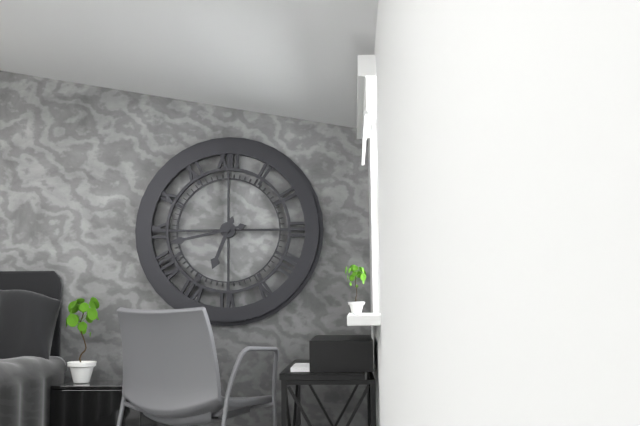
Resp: 6.43
